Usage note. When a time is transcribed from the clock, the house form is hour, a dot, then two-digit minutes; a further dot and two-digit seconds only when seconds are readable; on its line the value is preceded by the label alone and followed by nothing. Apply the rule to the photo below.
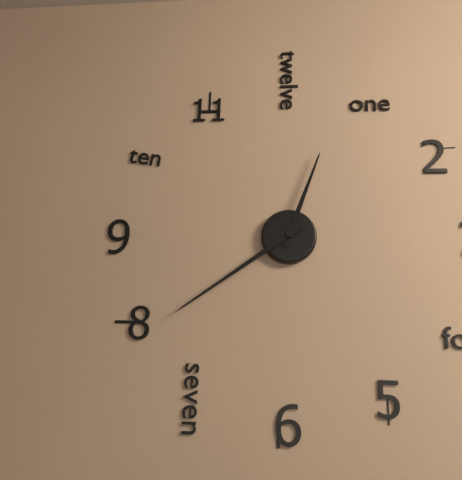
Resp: 12.39
